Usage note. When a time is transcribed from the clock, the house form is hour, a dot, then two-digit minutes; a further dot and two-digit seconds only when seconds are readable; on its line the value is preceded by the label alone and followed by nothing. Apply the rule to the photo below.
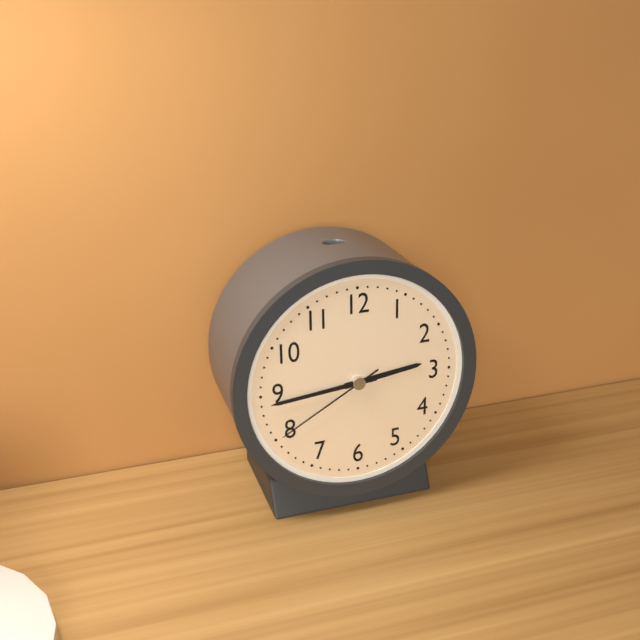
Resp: 2.44.40
